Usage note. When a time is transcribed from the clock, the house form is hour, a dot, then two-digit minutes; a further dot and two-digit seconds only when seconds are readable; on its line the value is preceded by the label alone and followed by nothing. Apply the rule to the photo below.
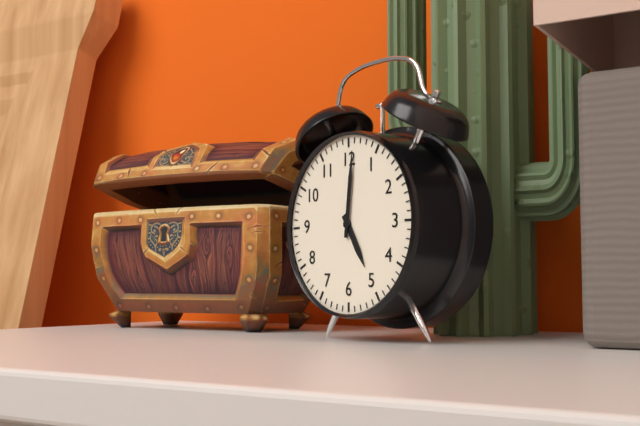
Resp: 5.01
